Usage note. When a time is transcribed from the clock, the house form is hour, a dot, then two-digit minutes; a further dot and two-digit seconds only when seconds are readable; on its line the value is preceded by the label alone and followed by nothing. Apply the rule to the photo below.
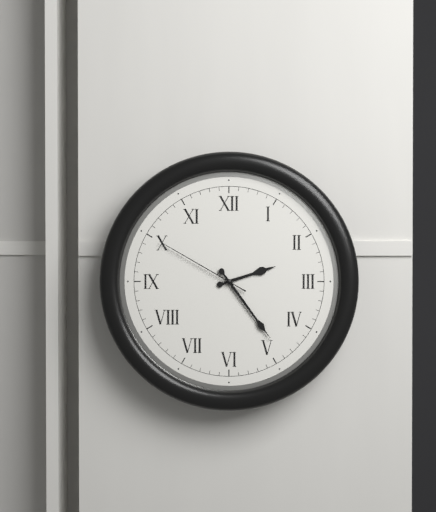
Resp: 2.24.50
